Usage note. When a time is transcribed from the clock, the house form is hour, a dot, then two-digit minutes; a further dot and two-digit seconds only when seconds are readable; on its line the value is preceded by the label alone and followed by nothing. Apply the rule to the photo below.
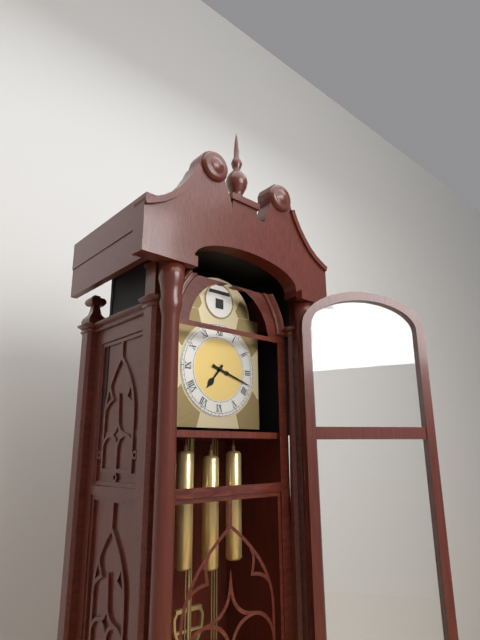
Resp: 7.18
